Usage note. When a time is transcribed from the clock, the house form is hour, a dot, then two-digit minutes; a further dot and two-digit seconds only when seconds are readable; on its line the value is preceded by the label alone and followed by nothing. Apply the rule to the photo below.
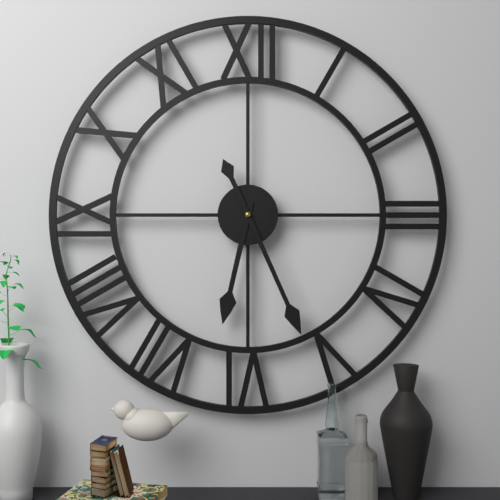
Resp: 6.26
